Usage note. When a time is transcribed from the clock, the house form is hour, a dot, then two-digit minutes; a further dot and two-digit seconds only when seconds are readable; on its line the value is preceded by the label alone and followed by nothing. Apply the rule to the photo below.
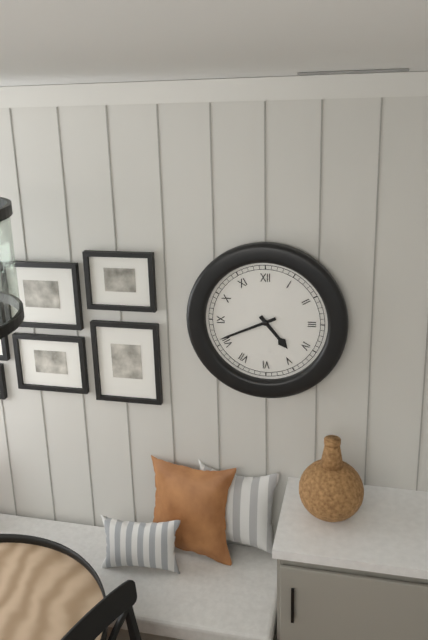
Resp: 4.41
